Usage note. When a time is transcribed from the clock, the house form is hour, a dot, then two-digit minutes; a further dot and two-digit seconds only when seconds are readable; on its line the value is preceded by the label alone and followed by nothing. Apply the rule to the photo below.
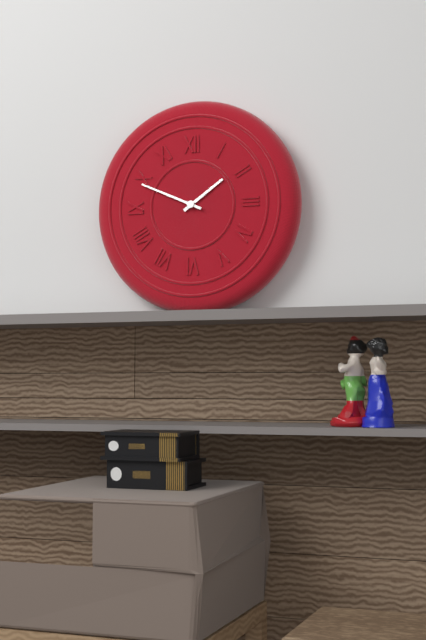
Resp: 1.49
